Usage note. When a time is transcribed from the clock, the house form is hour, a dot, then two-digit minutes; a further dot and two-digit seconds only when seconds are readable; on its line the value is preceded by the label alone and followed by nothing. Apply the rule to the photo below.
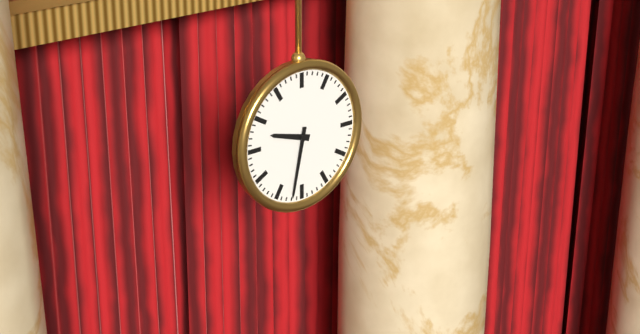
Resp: 9.32
